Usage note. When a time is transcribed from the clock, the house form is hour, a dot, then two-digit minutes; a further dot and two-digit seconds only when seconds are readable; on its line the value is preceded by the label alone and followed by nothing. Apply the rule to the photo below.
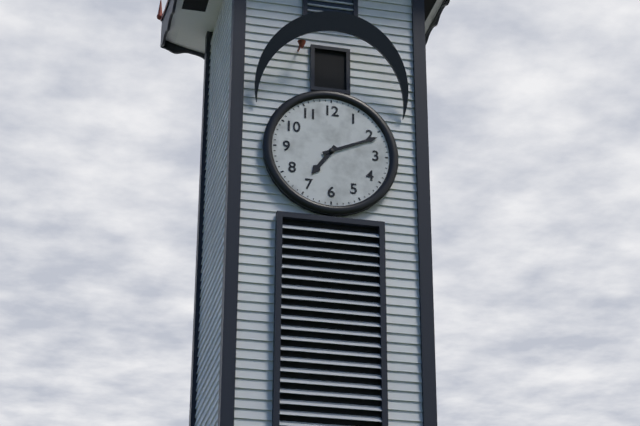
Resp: 7.11
